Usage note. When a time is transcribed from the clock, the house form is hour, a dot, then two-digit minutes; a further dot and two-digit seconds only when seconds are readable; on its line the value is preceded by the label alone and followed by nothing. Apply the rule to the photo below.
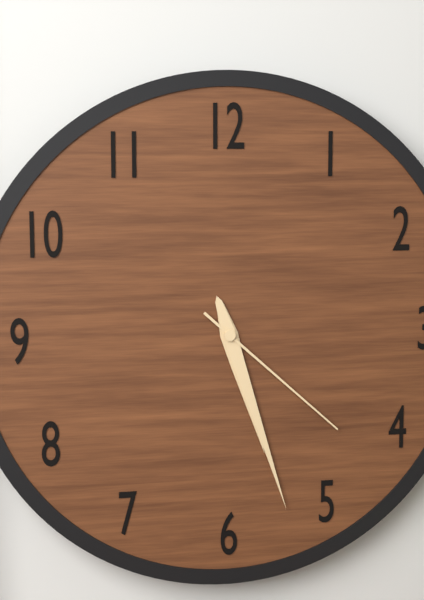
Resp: 5.27.22
